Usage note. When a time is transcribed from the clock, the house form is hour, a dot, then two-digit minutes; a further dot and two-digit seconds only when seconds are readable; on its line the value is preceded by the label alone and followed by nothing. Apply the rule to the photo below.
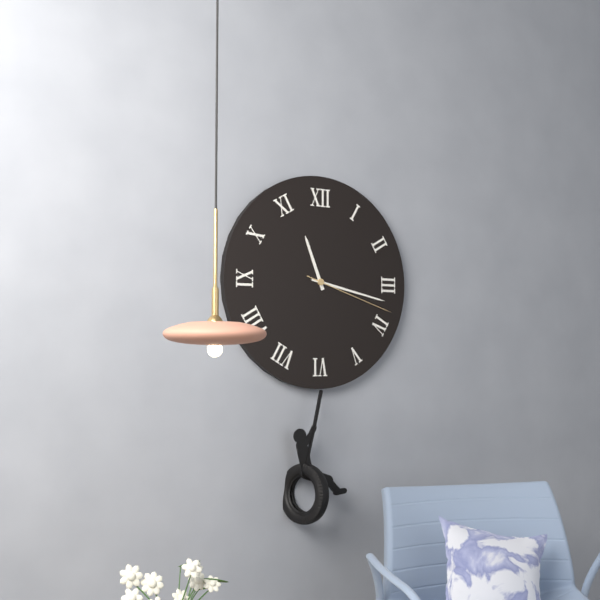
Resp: 11.17.18
